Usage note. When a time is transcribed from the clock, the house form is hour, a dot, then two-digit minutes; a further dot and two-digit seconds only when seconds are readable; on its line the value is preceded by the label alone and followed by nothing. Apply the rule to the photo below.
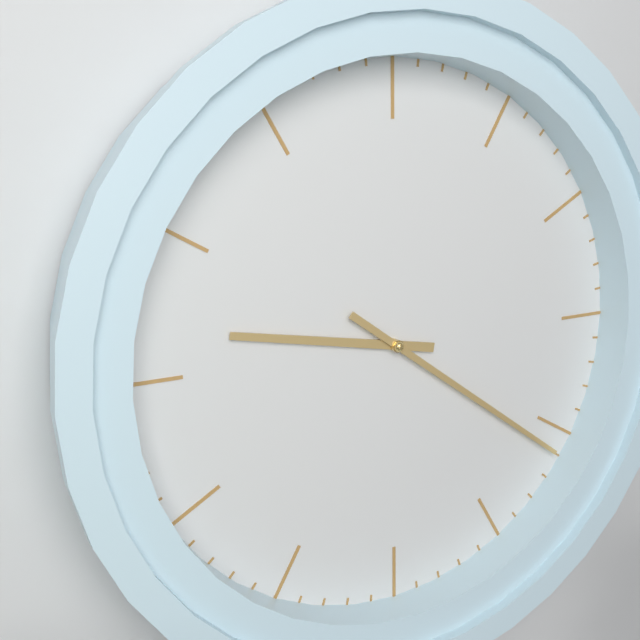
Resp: 9.21
